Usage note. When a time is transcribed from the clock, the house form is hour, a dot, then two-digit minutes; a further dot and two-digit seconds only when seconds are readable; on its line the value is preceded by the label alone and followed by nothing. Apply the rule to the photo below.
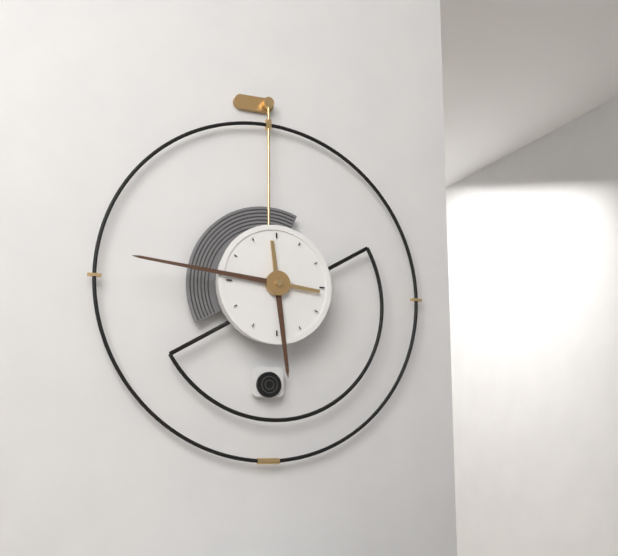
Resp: 5.46
